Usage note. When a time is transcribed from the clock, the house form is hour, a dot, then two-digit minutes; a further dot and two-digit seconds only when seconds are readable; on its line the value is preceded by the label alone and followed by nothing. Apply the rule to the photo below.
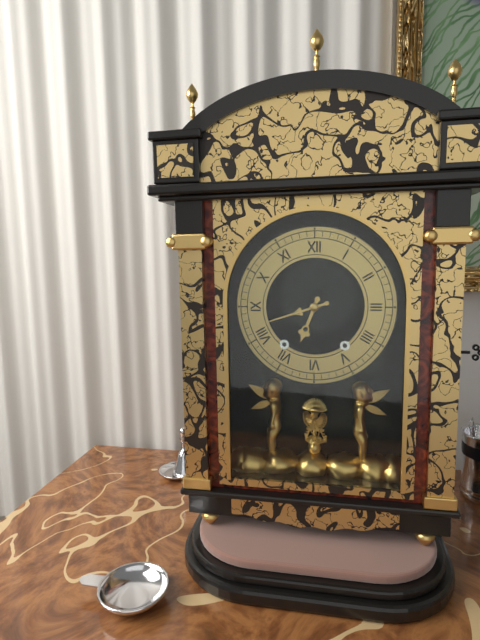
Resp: 6.42
